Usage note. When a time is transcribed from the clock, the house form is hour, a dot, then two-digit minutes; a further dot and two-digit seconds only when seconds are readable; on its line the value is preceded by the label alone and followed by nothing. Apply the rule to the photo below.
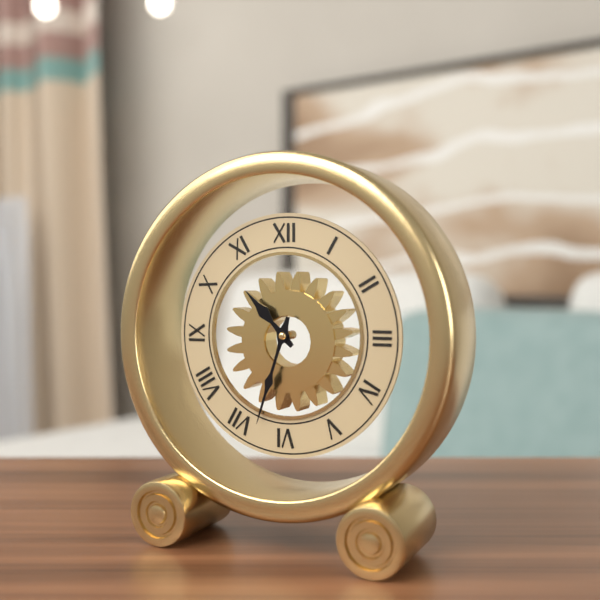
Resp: 10.33
